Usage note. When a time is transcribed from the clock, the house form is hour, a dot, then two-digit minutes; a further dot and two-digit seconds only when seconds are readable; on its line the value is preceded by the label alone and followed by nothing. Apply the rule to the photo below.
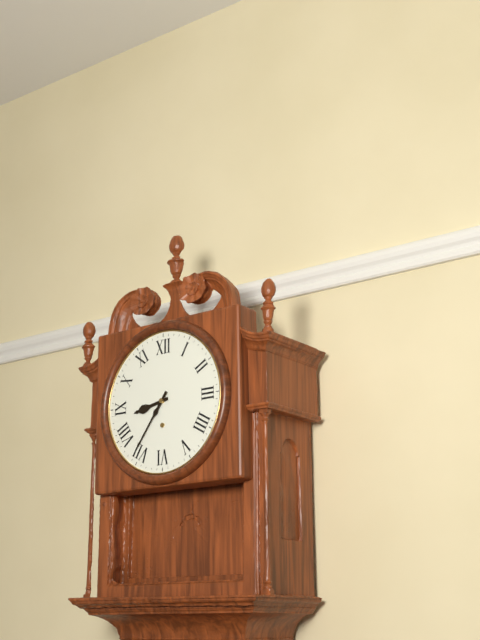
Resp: 8.36
